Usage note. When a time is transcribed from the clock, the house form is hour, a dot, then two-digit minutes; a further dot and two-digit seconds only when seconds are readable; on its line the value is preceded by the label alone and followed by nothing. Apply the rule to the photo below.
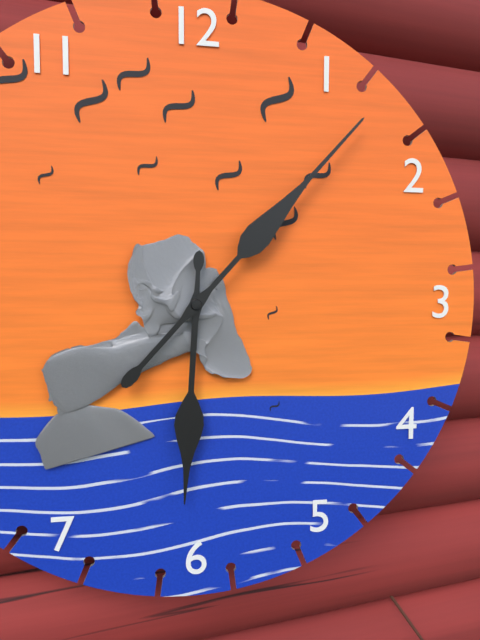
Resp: 6.07
